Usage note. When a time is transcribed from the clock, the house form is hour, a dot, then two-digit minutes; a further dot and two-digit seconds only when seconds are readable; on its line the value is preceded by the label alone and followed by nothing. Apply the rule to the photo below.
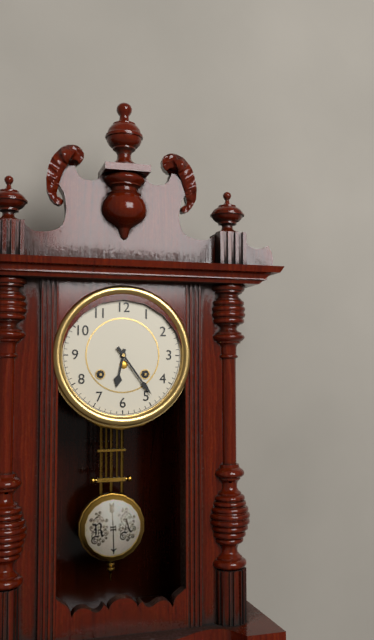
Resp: 6.24
